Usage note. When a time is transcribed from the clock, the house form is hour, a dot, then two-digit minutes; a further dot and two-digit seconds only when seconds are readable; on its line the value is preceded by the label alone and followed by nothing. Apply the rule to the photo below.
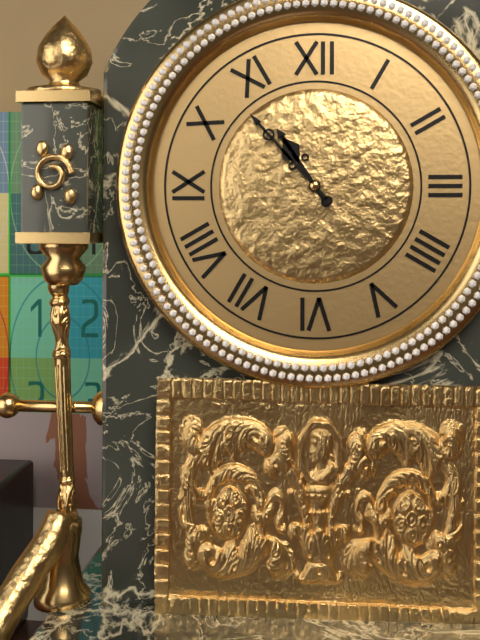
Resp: 10.53
